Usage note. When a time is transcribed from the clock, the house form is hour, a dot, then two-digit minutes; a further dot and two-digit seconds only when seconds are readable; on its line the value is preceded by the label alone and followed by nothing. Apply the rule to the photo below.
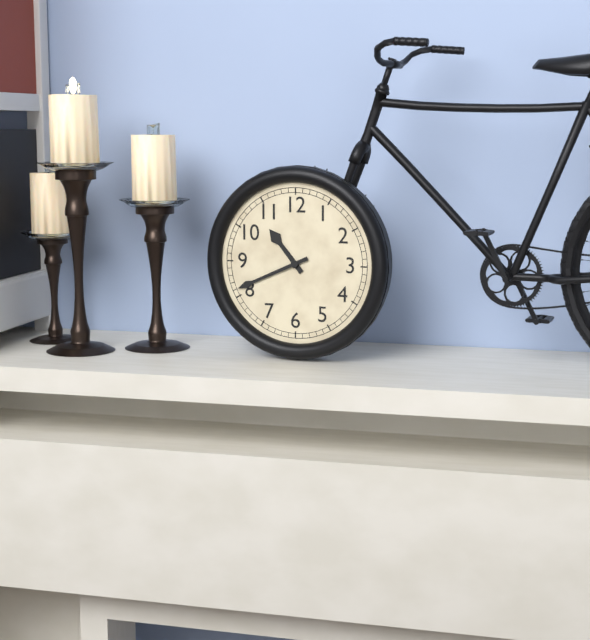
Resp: 10.41
